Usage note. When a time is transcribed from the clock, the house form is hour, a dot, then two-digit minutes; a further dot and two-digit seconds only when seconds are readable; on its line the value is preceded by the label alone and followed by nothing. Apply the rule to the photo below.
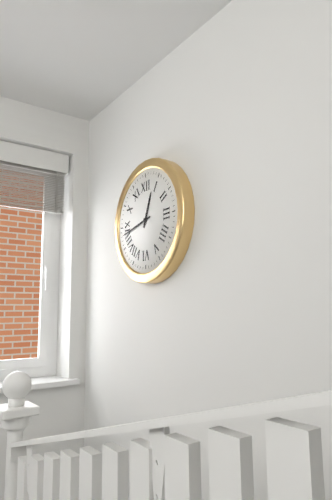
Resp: 12.43
